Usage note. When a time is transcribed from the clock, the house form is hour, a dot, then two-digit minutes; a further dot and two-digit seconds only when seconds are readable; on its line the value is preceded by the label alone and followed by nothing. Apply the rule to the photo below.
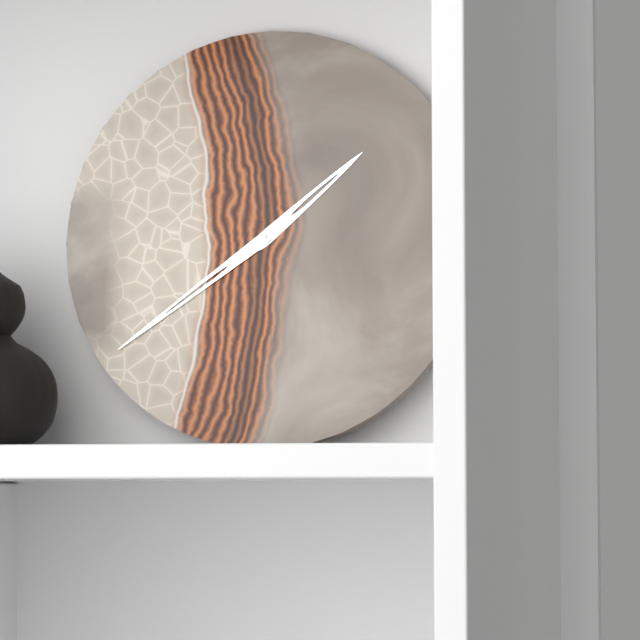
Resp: 1.39
